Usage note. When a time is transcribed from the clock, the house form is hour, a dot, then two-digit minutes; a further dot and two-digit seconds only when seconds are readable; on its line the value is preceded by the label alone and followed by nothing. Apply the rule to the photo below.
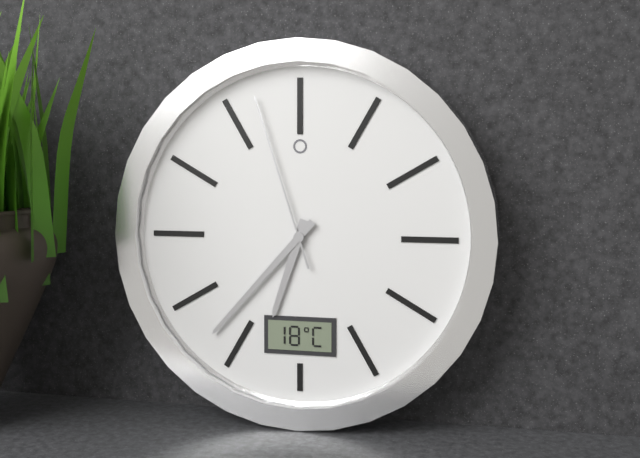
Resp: 6.37.57
